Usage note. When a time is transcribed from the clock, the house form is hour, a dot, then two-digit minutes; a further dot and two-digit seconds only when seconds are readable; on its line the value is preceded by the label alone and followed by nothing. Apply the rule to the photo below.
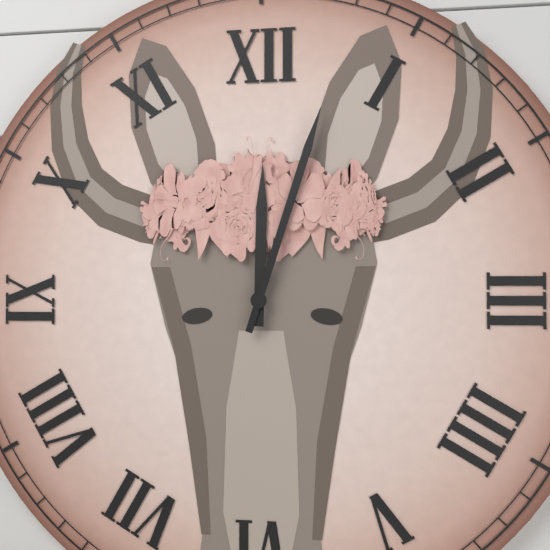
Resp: 12.03
